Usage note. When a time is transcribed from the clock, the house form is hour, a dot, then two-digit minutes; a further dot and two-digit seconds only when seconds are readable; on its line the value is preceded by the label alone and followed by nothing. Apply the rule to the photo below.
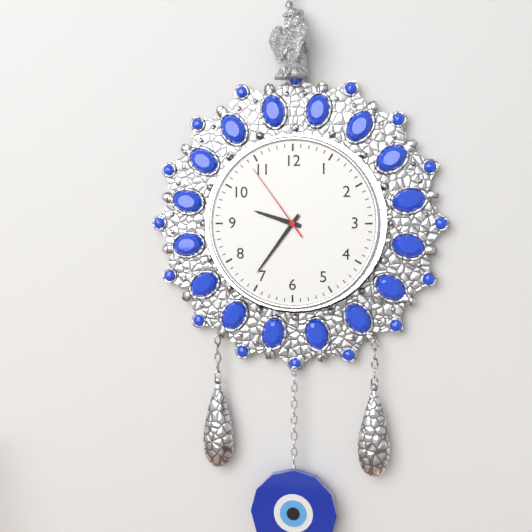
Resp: 9.36.54
